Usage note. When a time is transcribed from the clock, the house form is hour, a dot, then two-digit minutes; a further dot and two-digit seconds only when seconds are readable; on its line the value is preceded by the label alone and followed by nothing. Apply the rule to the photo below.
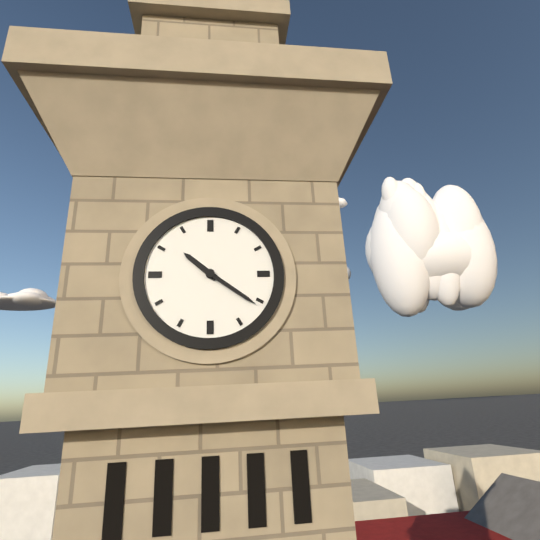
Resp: 10.21
